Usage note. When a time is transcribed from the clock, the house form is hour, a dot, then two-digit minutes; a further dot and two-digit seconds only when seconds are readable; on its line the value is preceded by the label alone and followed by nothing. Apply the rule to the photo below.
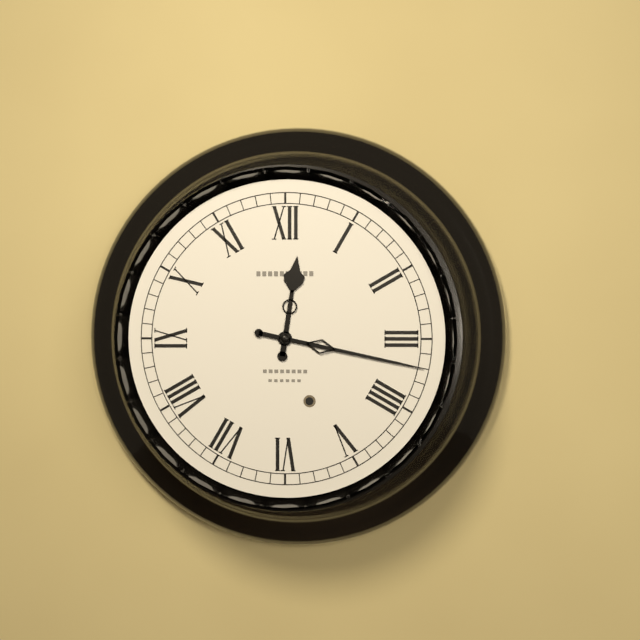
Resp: 12.17
